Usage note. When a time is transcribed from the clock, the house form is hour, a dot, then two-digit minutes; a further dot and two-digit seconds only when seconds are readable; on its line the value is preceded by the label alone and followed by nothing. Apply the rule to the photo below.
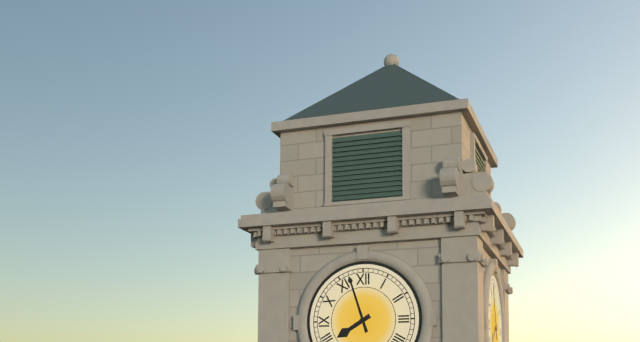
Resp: 7.57
